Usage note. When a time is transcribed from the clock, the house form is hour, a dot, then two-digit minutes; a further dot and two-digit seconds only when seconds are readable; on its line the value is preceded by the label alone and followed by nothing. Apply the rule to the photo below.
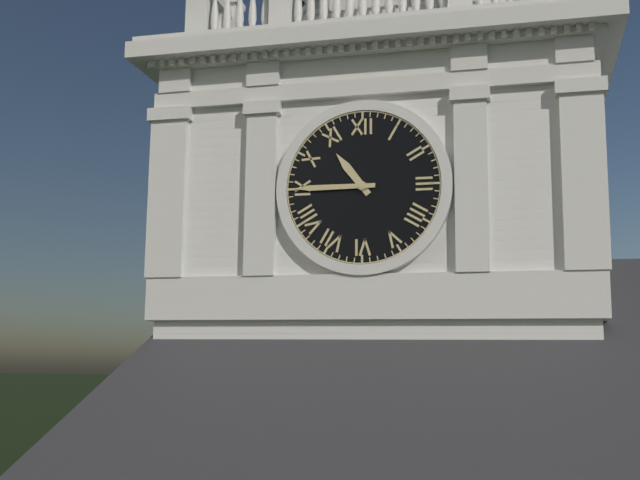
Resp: 10.45
